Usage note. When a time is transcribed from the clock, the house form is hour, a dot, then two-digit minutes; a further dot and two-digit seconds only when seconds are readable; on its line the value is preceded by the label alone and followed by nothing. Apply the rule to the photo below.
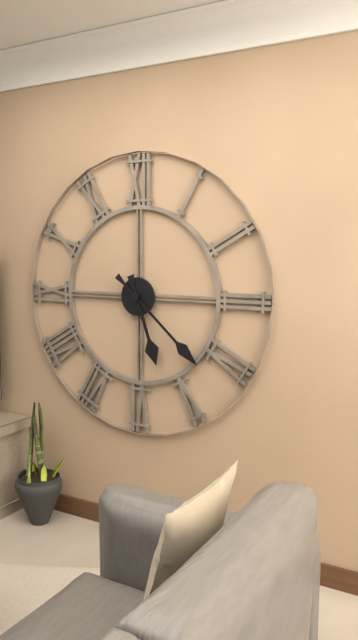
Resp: 5.22
